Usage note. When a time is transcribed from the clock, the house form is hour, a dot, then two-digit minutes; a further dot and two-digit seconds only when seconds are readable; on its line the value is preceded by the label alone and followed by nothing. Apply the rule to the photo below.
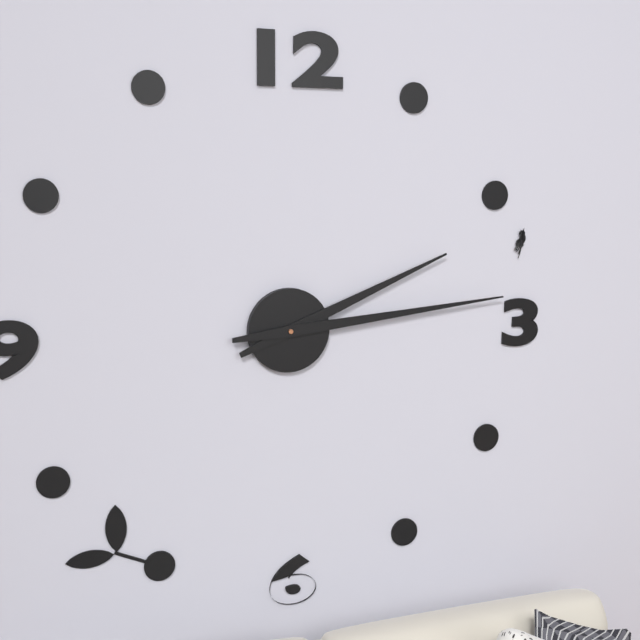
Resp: 2.14
